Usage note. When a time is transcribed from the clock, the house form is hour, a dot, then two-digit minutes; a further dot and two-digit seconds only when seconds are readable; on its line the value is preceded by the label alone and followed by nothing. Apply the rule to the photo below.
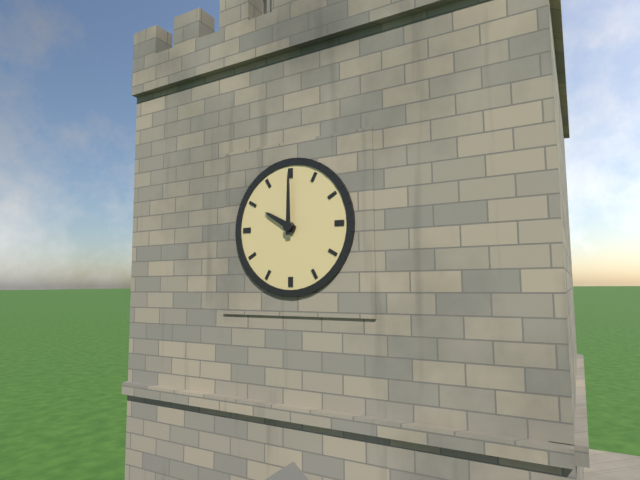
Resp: 10.00
